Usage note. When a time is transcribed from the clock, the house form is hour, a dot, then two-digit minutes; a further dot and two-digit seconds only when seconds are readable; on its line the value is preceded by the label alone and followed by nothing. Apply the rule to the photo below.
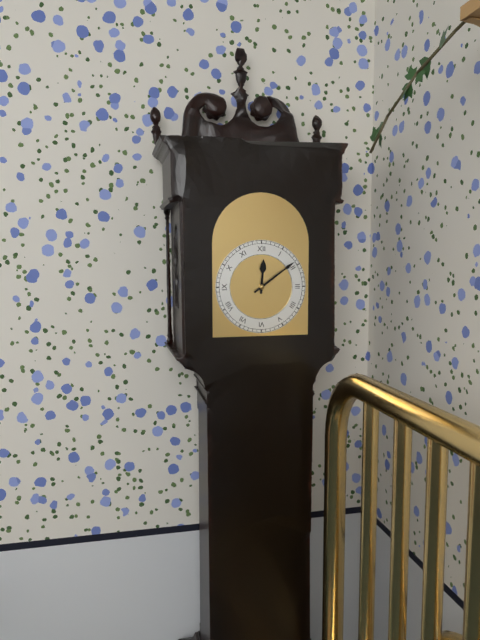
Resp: 12.09
